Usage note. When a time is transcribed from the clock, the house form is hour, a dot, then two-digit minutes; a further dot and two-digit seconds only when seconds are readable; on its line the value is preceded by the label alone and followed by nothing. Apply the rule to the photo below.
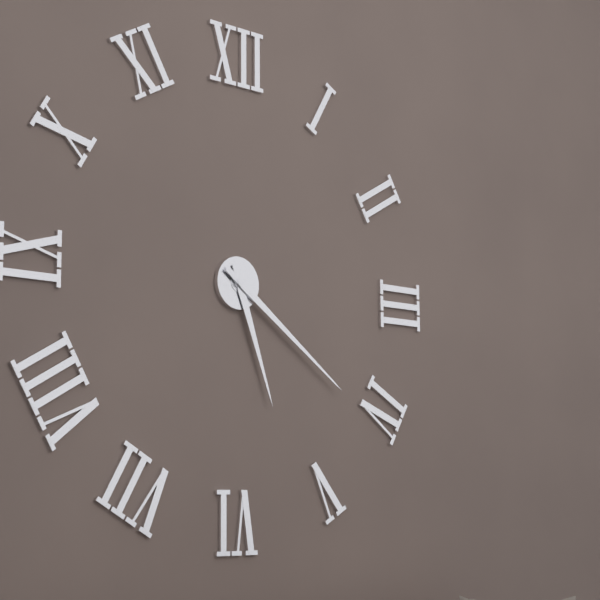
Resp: 5.21
